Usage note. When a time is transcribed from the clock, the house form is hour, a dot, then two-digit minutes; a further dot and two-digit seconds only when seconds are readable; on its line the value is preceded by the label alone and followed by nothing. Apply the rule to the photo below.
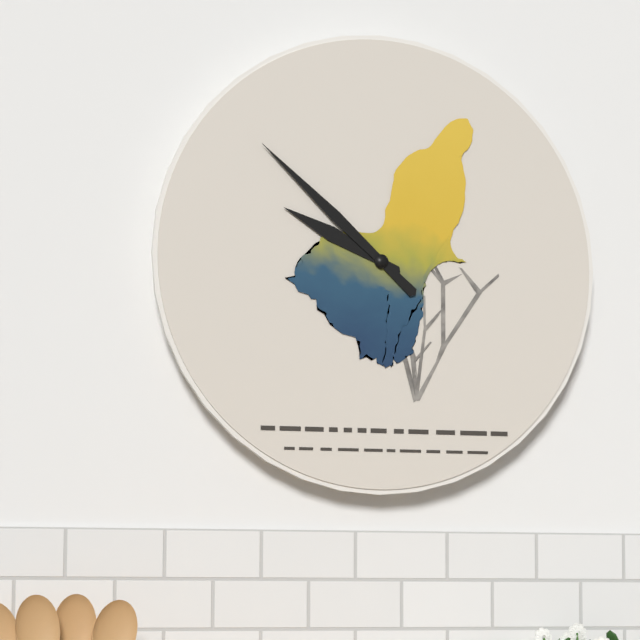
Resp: 9.52
